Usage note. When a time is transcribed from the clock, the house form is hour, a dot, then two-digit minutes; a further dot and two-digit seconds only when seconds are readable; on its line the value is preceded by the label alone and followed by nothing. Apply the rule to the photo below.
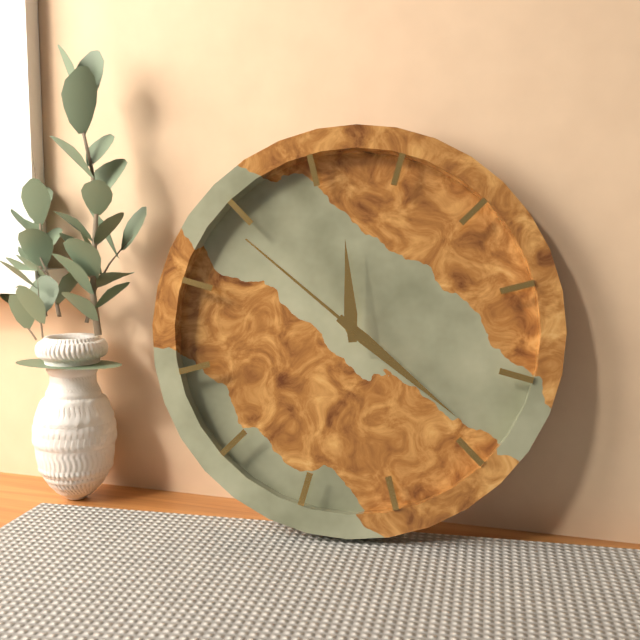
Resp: 11.19.49
